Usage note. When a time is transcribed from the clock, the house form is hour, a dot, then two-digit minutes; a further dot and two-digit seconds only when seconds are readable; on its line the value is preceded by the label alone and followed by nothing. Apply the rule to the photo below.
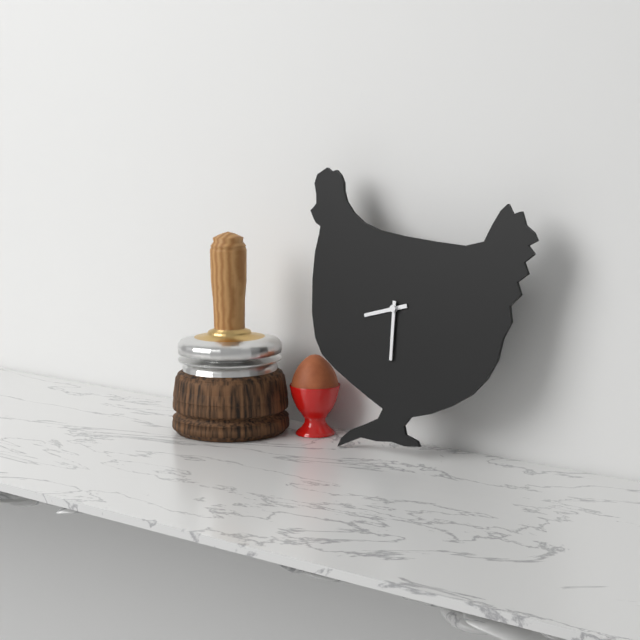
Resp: 8.30
